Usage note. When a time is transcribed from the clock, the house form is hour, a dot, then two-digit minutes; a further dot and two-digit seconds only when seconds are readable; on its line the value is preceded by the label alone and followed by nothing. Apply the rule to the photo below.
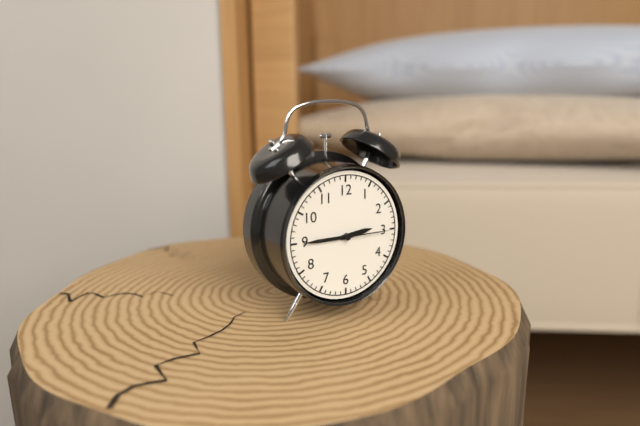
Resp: 2.45.15
